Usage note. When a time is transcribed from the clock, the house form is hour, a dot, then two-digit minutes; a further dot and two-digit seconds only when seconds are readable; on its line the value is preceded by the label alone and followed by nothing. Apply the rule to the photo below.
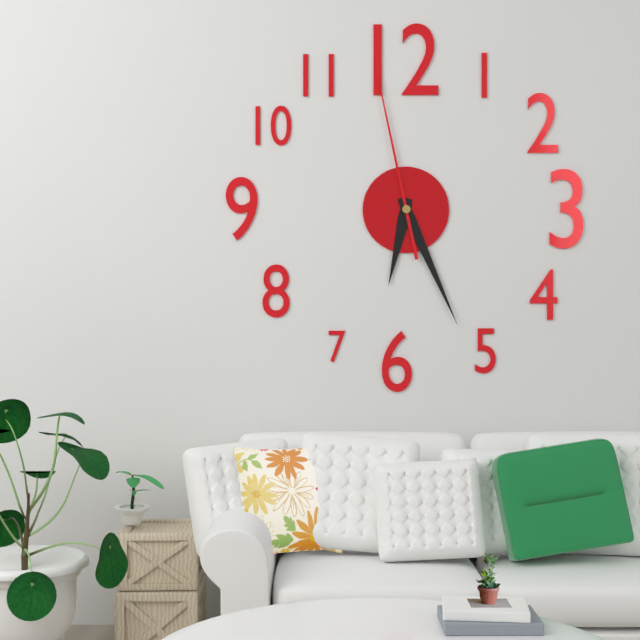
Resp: 6.26.58
